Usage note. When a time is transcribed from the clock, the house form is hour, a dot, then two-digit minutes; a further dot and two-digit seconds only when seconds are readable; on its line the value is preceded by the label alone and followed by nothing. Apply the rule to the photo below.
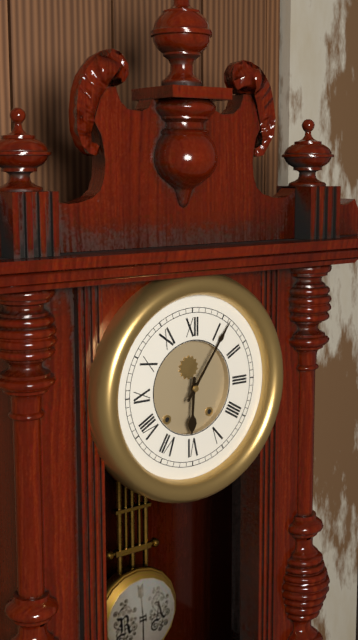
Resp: 6.06
